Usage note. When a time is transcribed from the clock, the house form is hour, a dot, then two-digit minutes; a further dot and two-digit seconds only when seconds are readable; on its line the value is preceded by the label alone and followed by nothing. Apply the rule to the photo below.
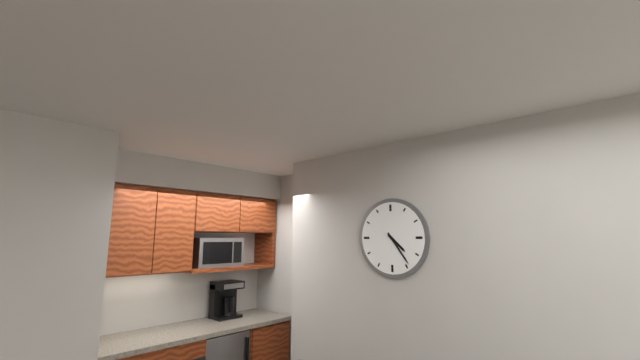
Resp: 4.24
